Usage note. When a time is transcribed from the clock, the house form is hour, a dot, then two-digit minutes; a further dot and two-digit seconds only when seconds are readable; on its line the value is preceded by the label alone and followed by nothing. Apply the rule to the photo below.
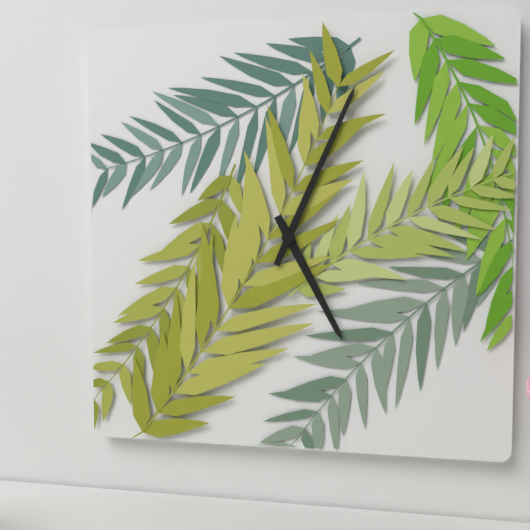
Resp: 5.04
